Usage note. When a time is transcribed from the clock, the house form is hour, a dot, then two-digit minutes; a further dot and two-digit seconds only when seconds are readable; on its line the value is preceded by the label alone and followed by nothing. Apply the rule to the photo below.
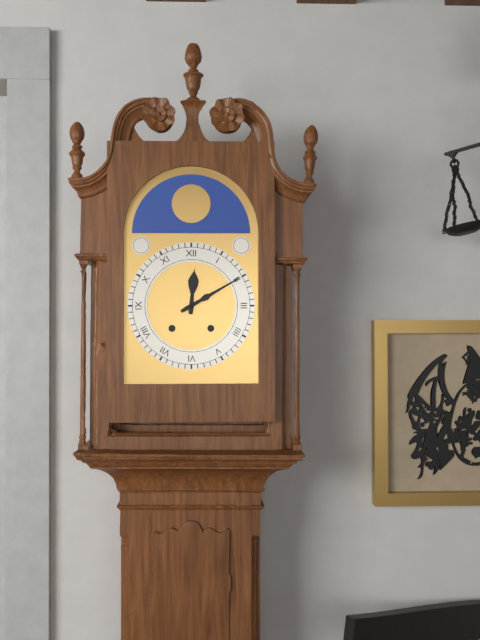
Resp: 12.10
